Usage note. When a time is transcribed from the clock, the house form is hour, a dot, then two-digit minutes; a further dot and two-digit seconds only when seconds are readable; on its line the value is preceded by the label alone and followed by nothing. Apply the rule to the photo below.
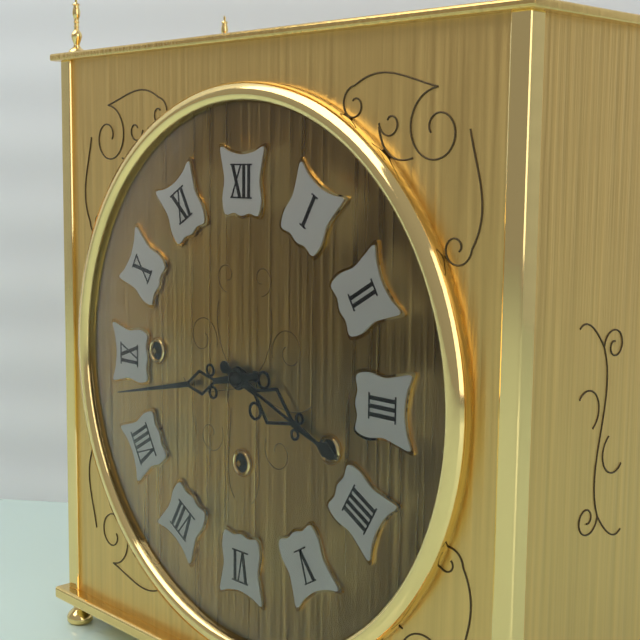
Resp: 3.43
